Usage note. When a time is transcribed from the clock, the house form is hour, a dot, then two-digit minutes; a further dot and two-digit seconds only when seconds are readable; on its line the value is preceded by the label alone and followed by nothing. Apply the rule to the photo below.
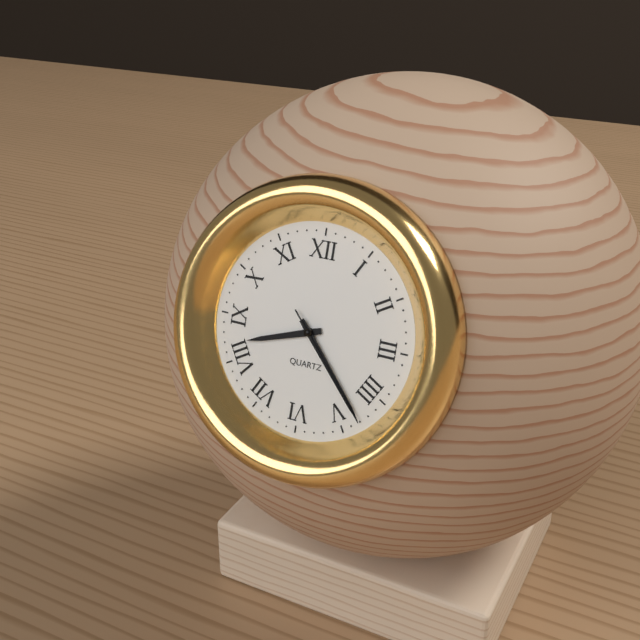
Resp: 8.23.23
